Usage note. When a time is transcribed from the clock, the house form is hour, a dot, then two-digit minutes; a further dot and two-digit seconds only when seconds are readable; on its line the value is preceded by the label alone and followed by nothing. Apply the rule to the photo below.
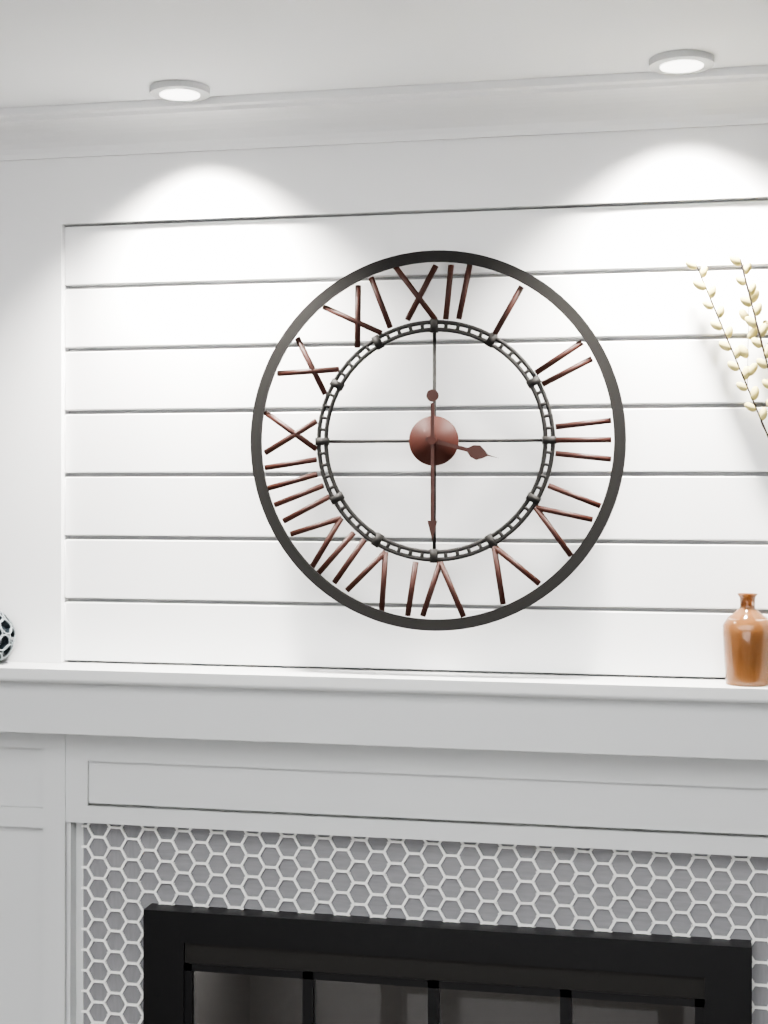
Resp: 3.30
